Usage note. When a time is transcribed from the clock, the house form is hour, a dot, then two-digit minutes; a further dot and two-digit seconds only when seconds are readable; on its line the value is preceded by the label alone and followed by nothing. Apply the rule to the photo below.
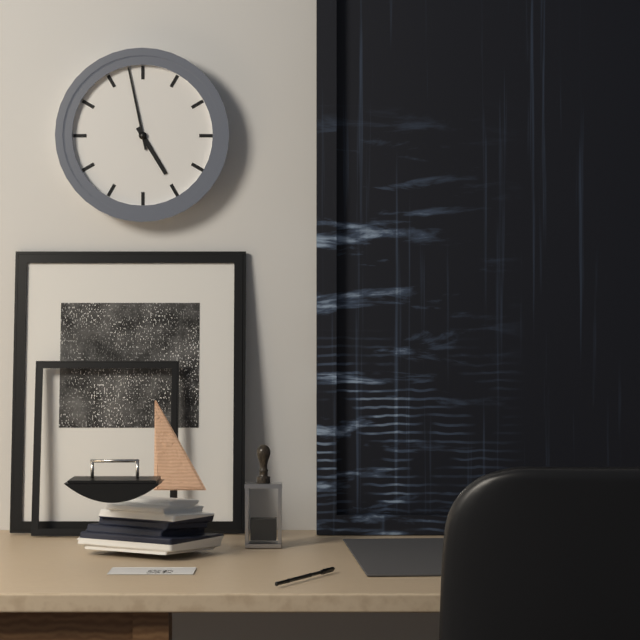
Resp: 4.58
